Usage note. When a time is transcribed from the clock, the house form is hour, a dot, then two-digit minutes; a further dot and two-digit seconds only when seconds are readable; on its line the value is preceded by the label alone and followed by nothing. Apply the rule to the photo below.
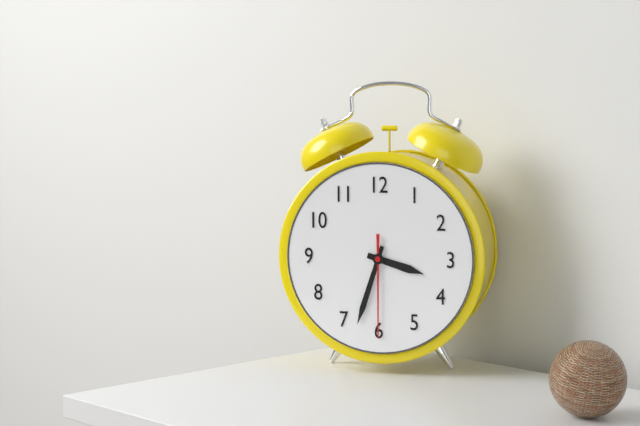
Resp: 3.33.30
